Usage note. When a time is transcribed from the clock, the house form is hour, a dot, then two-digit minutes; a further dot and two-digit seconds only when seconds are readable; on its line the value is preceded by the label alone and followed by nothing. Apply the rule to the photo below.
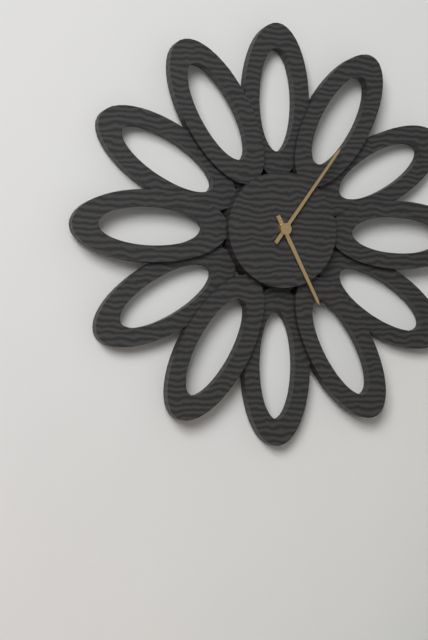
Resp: 5.06
